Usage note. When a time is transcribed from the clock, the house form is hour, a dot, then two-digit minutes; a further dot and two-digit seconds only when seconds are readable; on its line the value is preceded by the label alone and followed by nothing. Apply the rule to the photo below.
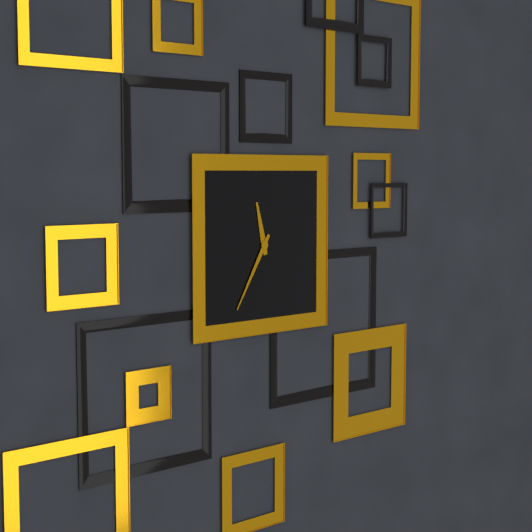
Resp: 11.35
